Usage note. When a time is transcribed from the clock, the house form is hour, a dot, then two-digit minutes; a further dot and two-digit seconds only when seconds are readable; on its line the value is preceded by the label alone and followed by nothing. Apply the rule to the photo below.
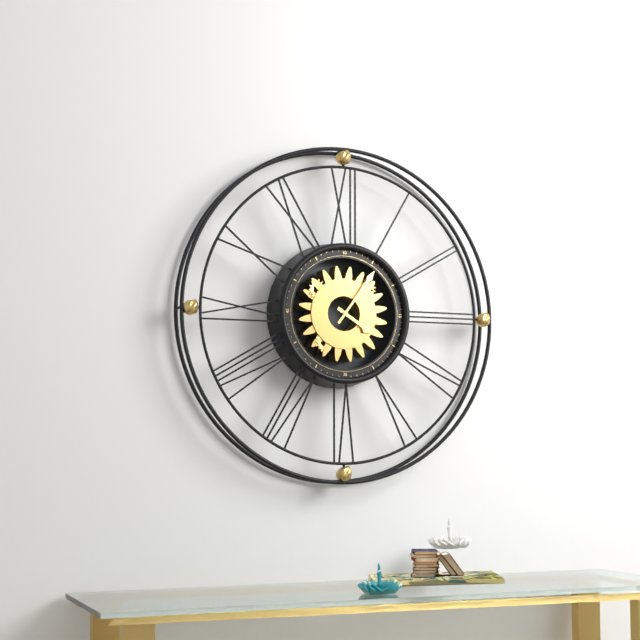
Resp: 4.06
